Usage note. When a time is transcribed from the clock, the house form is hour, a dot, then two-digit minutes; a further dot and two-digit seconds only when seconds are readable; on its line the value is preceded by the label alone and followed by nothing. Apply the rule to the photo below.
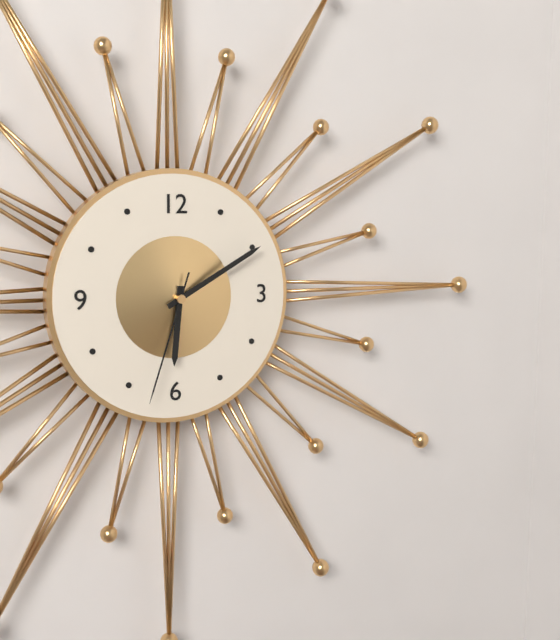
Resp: 6.10.33
